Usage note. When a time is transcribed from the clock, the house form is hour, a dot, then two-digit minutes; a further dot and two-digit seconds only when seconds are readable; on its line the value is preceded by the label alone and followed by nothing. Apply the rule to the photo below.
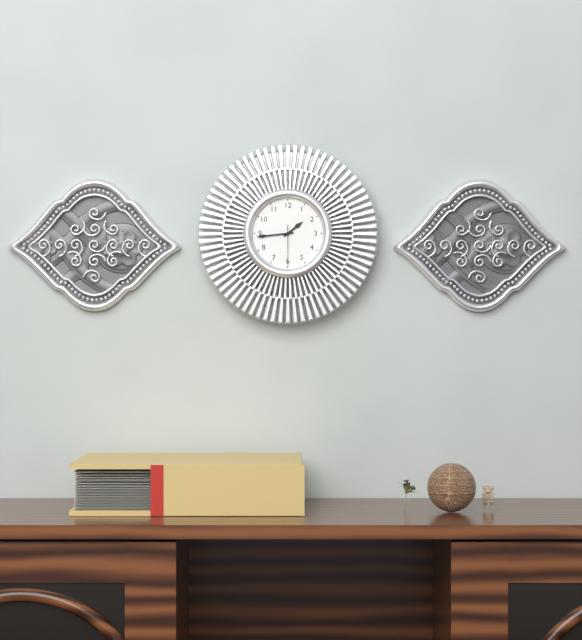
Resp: 1.44
